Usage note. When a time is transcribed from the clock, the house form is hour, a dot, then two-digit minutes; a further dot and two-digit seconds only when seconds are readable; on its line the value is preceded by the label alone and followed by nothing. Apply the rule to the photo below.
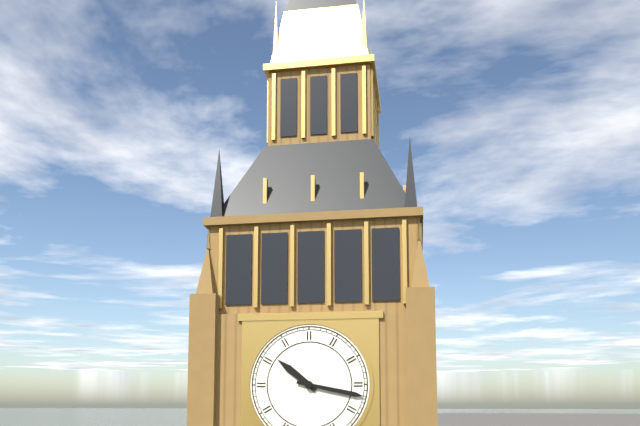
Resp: 10.17
